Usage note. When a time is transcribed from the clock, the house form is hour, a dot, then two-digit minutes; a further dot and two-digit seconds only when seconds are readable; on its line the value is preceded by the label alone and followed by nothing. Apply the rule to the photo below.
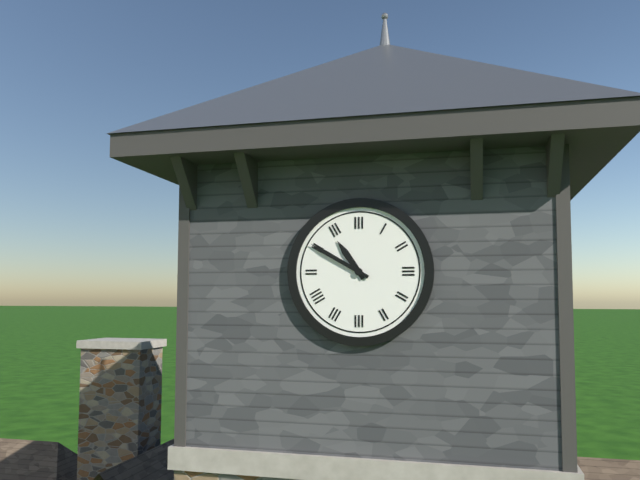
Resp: 10.50
